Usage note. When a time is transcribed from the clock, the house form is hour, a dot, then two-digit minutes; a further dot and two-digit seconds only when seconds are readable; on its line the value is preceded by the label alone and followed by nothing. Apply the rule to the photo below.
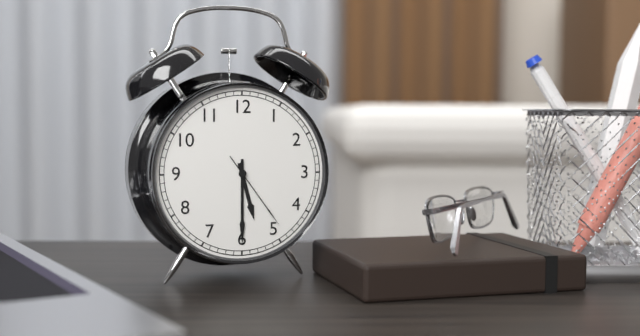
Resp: 5.30.24
